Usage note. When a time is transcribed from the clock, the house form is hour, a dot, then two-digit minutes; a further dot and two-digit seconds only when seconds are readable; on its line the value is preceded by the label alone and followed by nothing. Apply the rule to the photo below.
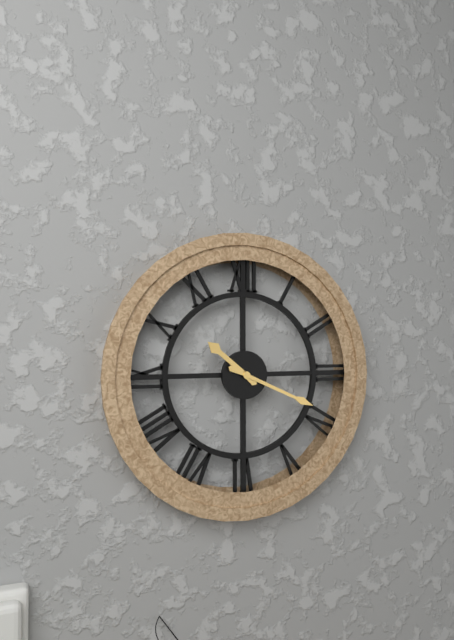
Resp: 10.19
